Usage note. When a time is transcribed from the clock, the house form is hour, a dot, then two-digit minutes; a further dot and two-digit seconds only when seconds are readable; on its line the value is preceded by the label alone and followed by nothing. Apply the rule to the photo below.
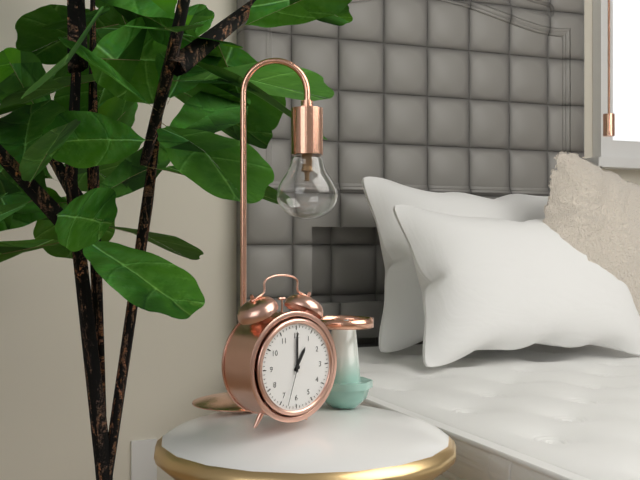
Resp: 1.00
